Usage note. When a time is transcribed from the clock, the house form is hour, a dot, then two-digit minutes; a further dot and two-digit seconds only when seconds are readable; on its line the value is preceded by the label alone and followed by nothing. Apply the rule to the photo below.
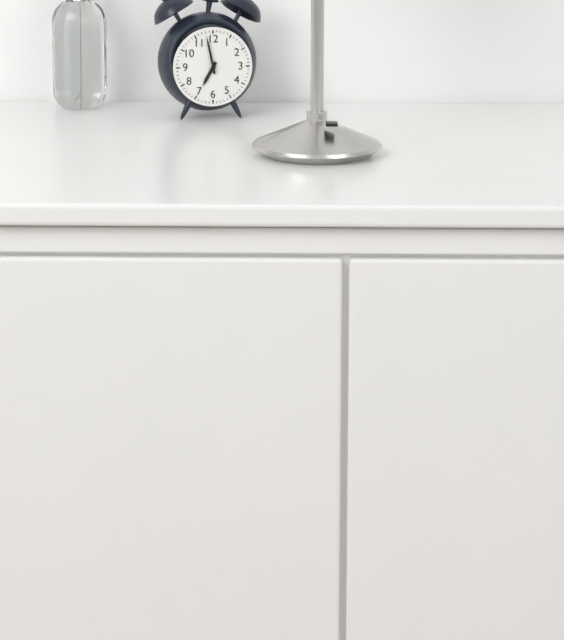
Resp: 6.58
